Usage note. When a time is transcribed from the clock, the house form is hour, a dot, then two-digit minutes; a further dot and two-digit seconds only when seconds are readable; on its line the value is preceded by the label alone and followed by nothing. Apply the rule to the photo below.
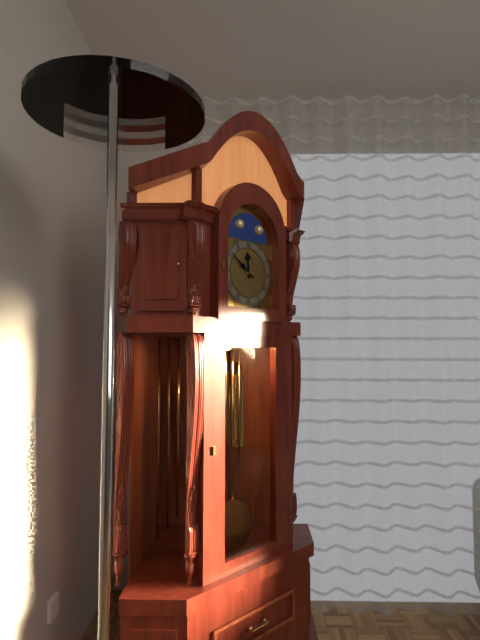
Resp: 11.51
